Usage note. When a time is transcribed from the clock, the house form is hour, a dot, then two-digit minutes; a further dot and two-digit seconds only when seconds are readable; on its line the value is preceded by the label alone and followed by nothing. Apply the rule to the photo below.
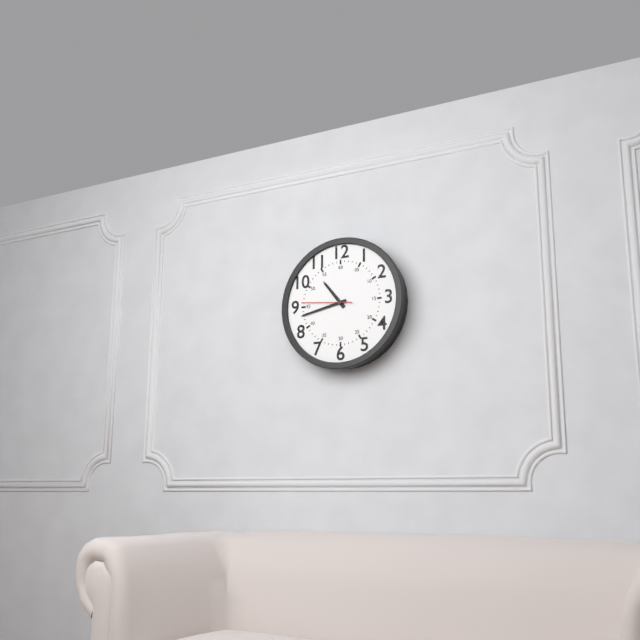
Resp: 10.43
